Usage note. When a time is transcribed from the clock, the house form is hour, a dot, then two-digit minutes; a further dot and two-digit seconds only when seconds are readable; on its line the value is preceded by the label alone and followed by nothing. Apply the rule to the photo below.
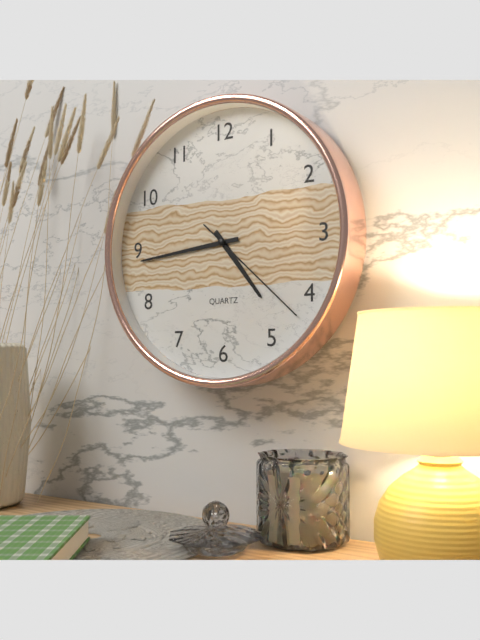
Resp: 4.44.22
